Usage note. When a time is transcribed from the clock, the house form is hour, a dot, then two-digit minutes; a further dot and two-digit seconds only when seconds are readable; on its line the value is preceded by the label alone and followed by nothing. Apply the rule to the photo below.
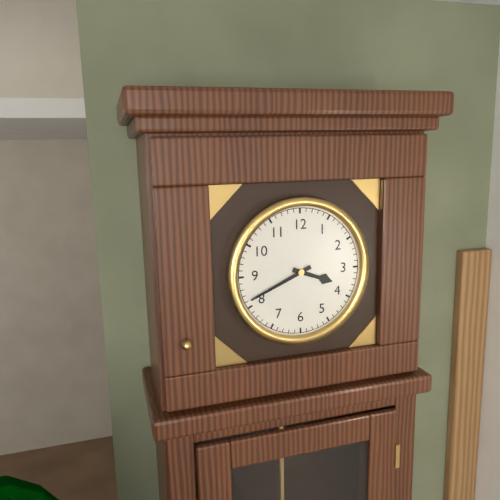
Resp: 3.41
